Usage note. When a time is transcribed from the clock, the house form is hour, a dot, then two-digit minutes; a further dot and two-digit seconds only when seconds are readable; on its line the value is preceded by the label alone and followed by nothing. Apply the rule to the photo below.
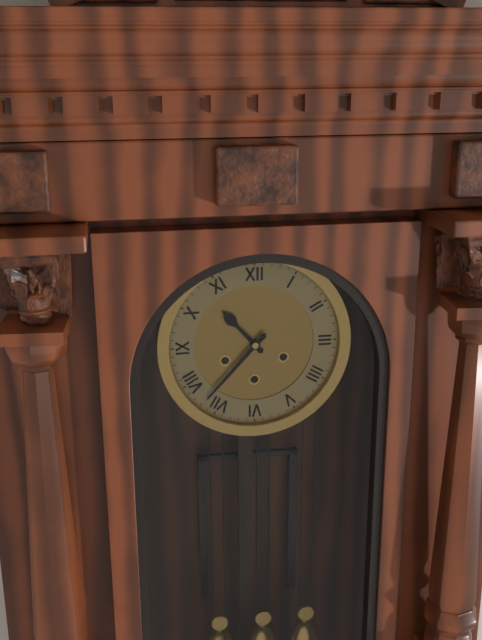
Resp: 10.37
